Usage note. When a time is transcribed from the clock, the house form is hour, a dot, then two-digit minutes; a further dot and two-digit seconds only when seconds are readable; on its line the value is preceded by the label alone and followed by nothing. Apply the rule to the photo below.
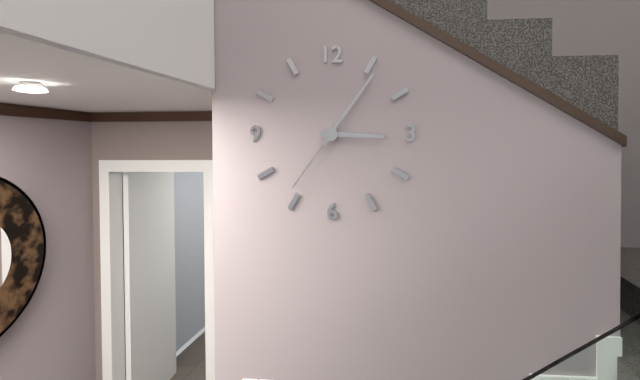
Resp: 3.06.36
